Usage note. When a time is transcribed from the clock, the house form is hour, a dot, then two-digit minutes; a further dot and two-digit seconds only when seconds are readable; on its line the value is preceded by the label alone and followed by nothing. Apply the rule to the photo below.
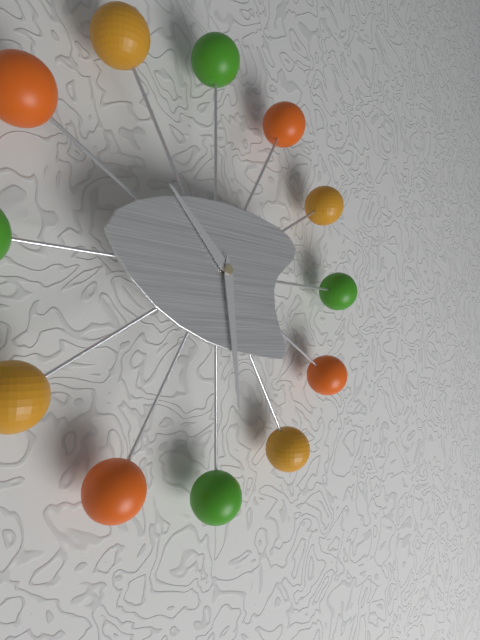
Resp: 10.29
